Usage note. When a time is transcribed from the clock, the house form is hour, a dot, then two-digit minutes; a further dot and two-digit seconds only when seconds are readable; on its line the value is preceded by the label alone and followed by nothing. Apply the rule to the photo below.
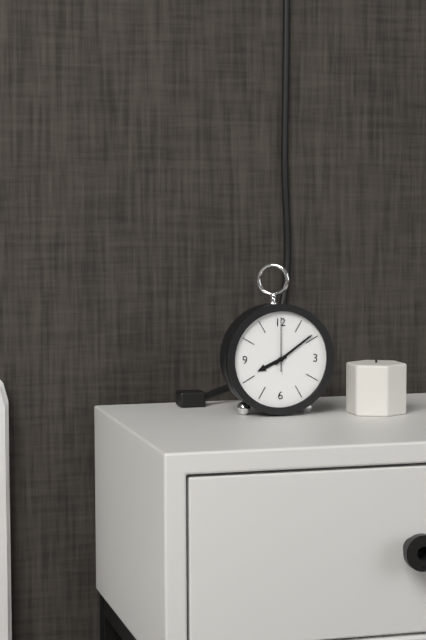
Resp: 8.09.00
